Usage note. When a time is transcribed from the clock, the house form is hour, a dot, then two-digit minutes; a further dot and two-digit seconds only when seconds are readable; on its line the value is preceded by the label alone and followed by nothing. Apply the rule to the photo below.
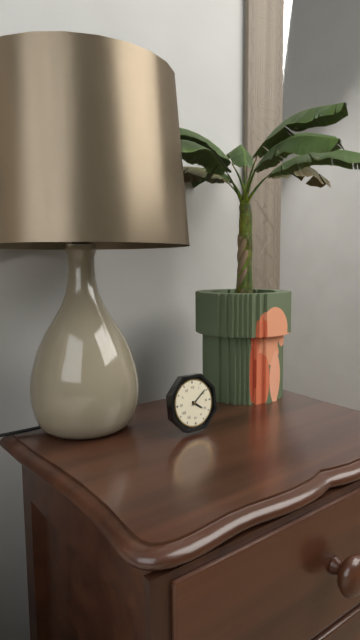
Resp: 4.09
